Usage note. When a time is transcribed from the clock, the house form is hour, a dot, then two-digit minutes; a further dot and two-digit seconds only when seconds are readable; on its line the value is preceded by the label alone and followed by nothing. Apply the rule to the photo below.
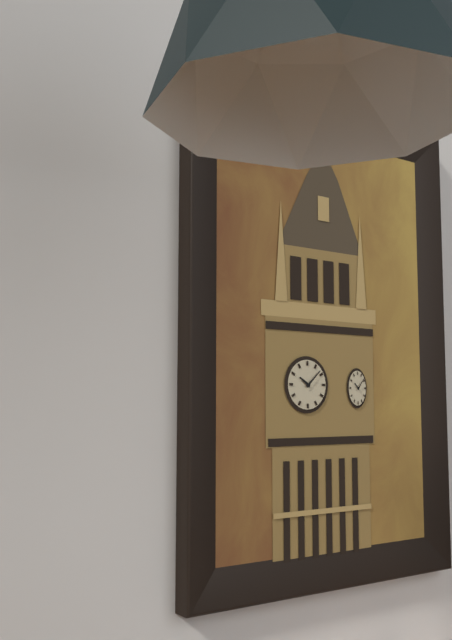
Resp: 10.08
